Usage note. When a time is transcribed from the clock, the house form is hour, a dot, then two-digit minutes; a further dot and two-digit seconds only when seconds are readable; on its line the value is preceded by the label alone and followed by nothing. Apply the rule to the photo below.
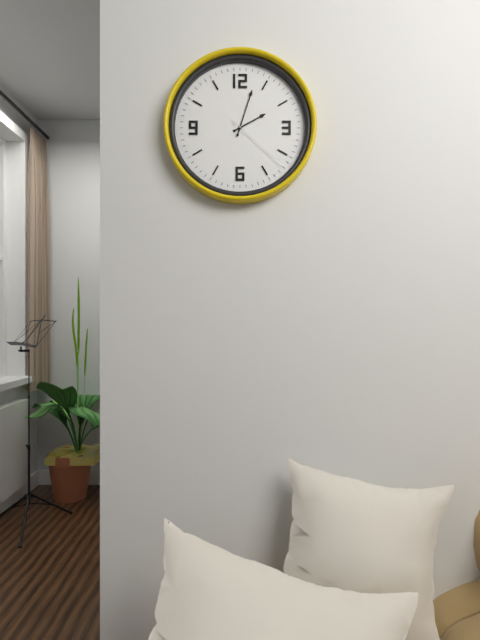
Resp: 2.03.22
